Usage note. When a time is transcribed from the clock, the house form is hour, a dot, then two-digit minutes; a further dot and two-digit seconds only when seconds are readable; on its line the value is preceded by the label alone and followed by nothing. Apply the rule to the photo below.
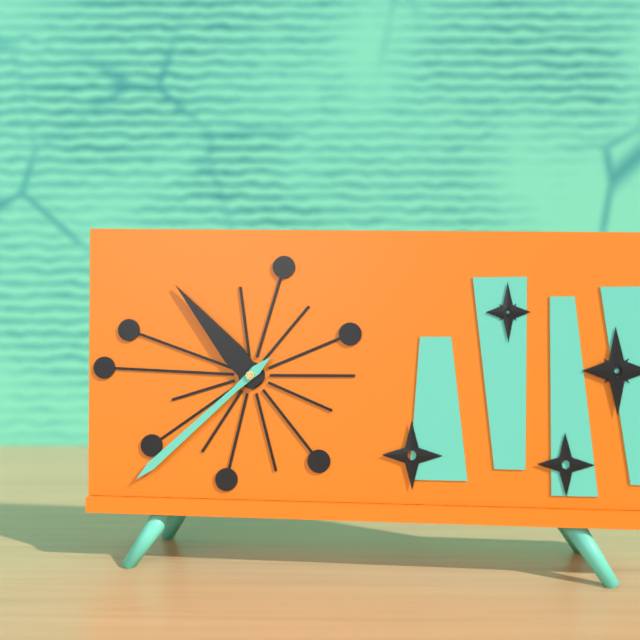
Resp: 10.38
